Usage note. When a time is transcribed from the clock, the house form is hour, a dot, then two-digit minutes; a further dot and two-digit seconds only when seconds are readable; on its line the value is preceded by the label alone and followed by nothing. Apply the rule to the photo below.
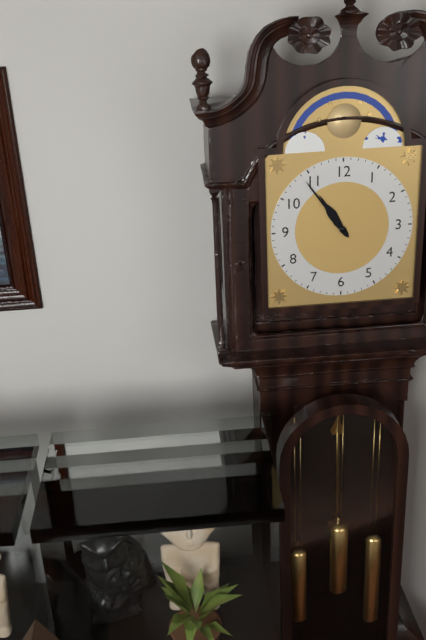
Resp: 10.54
